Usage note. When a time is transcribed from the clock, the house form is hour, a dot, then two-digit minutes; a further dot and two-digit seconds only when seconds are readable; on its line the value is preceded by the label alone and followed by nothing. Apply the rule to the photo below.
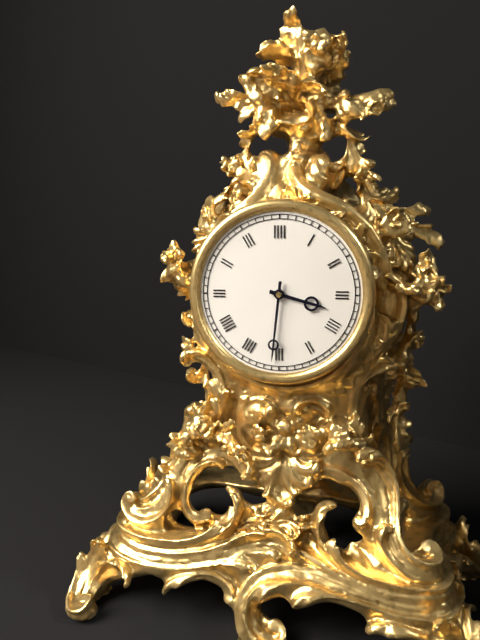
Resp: 3.31
